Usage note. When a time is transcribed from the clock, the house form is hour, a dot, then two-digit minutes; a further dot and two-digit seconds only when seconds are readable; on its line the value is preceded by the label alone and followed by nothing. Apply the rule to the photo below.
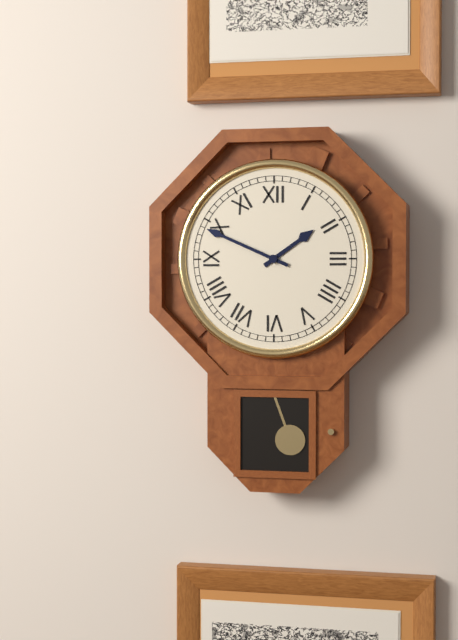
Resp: 1.49
